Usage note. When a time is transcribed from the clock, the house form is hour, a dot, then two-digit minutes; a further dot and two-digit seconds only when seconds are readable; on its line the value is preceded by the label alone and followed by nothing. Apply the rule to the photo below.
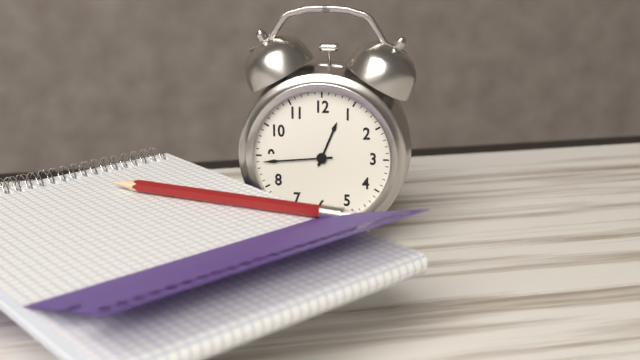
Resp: 12.44
